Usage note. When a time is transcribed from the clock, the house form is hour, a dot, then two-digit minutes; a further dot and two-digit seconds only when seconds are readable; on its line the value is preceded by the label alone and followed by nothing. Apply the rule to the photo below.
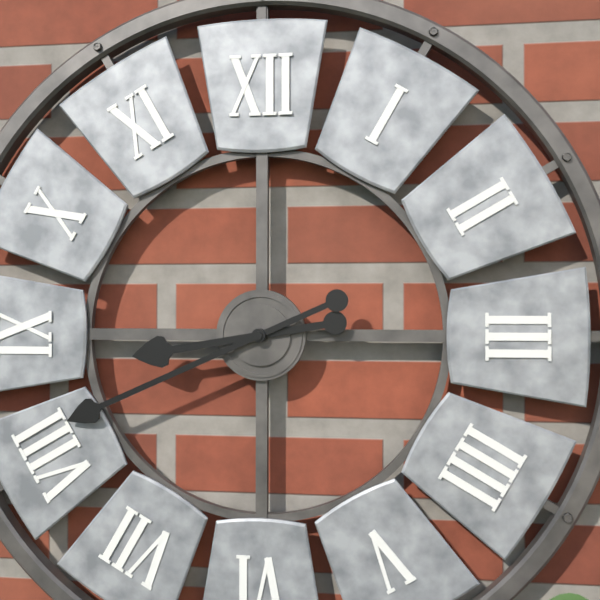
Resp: 8.41
